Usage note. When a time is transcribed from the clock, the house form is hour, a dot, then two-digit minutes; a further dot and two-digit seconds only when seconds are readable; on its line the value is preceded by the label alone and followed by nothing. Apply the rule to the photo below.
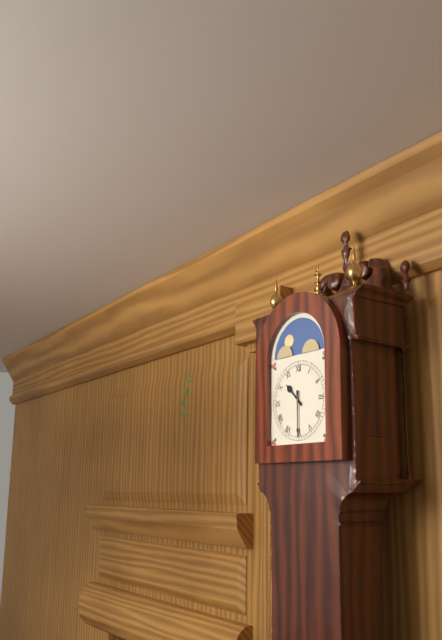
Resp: 10.30
